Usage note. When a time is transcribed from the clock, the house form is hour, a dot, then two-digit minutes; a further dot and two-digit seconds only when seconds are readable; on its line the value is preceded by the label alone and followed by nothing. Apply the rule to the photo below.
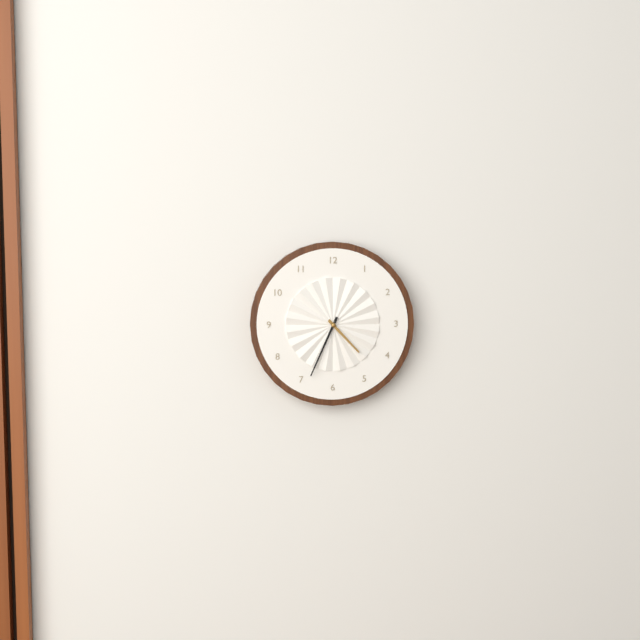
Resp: 4.34
